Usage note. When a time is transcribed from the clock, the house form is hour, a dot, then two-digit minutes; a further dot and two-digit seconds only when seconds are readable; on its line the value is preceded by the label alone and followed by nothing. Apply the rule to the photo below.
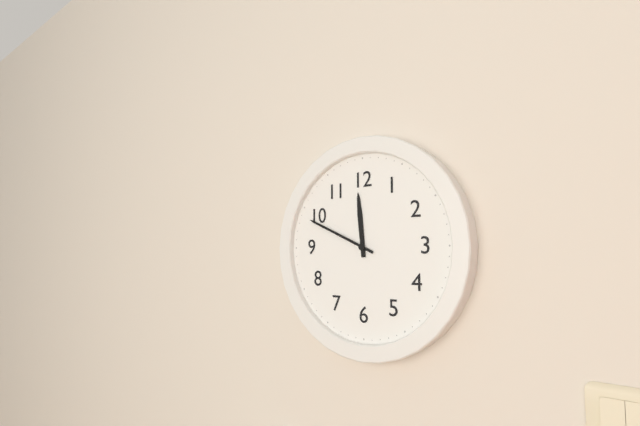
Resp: 11.49
